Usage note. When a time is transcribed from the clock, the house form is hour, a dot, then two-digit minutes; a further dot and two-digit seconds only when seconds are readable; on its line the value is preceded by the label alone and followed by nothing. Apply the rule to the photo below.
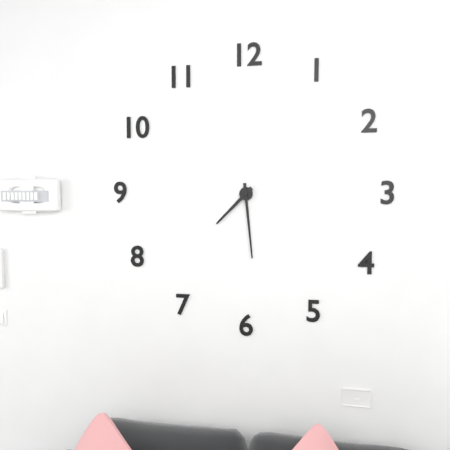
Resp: 7.29
